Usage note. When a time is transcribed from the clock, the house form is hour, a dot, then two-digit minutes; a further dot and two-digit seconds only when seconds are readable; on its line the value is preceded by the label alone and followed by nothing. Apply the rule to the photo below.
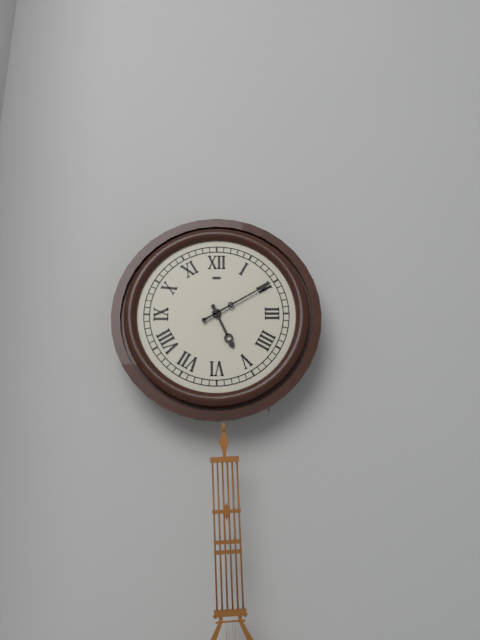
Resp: 5.10
